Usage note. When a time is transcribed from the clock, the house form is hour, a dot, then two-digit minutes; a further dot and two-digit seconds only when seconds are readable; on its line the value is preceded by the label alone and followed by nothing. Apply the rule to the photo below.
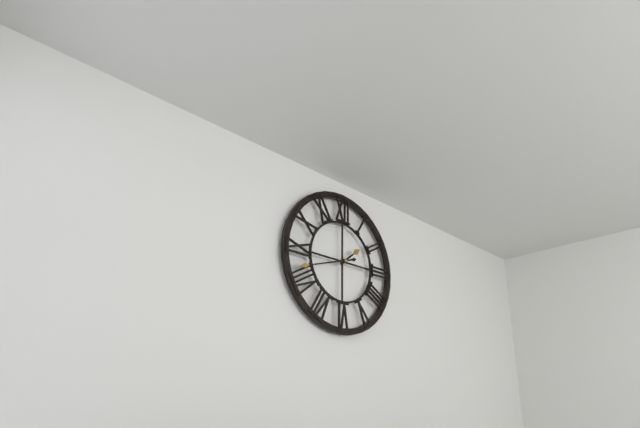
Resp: 1.42
